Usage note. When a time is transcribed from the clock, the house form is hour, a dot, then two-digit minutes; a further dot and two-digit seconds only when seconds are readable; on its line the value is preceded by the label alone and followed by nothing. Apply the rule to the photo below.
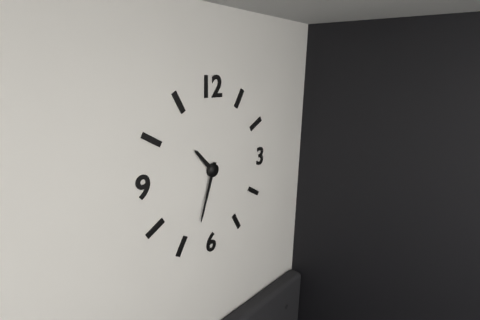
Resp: 10.33
